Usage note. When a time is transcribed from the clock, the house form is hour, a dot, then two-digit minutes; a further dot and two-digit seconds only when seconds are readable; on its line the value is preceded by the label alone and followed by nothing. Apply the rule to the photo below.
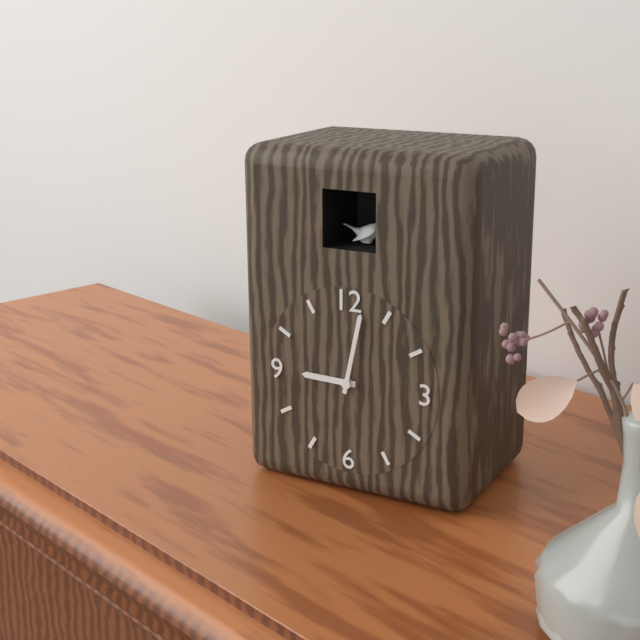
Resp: 9.02
